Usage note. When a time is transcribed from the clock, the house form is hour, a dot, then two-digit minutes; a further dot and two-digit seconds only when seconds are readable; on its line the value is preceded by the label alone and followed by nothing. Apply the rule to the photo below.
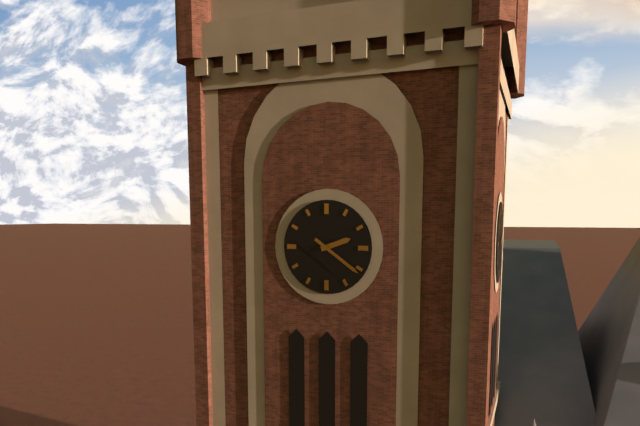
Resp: 2.21
